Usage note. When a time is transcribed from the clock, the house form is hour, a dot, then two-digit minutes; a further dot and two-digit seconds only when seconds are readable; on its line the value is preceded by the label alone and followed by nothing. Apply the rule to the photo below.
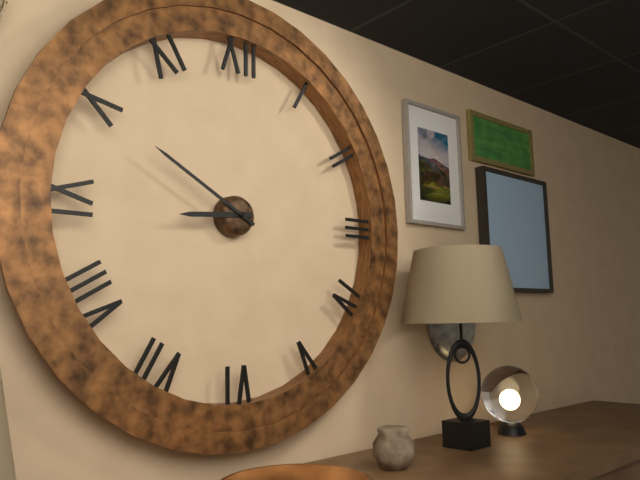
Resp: 8.50
